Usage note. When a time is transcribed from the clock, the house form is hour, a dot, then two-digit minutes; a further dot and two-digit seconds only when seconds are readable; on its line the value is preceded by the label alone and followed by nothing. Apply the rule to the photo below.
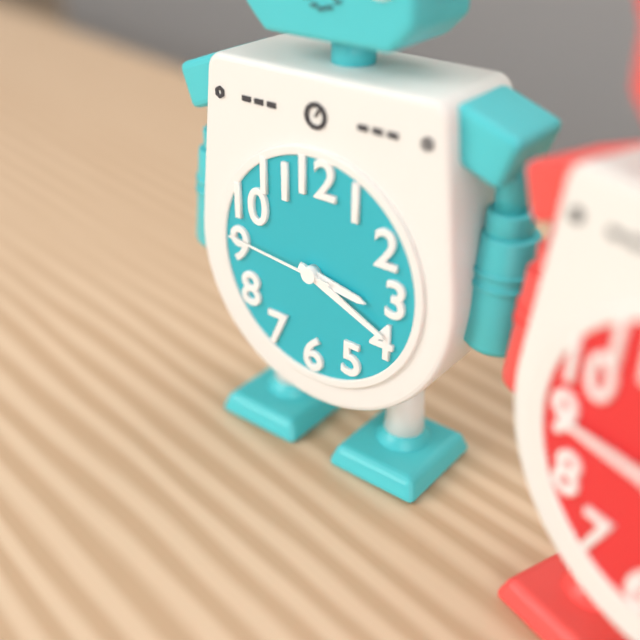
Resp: 3.19.46
